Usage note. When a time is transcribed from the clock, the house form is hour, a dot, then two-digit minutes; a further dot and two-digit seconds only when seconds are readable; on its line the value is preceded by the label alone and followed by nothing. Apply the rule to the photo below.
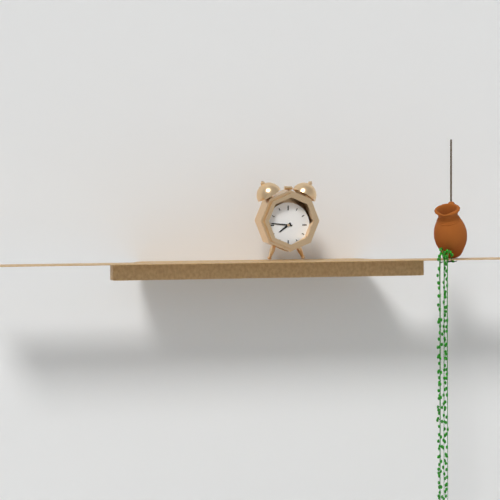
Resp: 7.46
